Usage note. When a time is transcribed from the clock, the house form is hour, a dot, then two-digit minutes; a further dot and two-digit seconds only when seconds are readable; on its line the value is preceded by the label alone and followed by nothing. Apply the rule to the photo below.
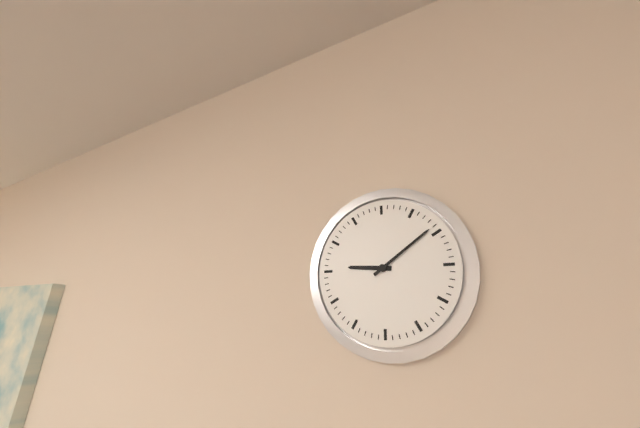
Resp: 9.09
